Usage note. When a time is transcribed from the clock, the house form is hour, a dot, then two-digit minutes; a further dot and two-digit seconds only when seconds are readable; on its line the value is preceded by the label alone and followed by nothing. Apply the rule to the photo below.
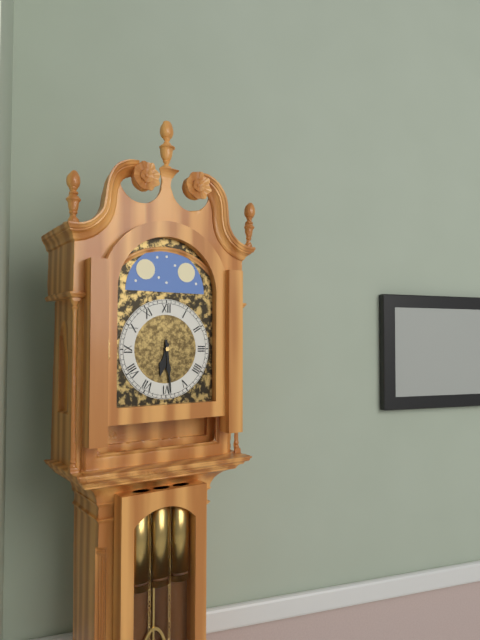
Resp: 6.29
